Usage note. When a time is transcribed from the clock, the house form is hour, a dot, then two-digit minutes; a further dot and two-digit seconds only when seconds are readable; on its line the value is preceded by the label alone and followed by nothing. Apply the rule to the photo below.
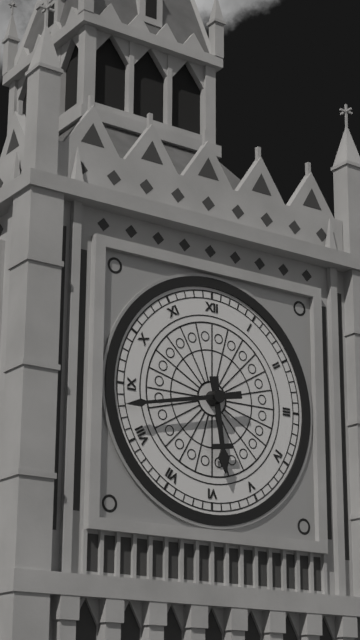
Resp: 5.43
